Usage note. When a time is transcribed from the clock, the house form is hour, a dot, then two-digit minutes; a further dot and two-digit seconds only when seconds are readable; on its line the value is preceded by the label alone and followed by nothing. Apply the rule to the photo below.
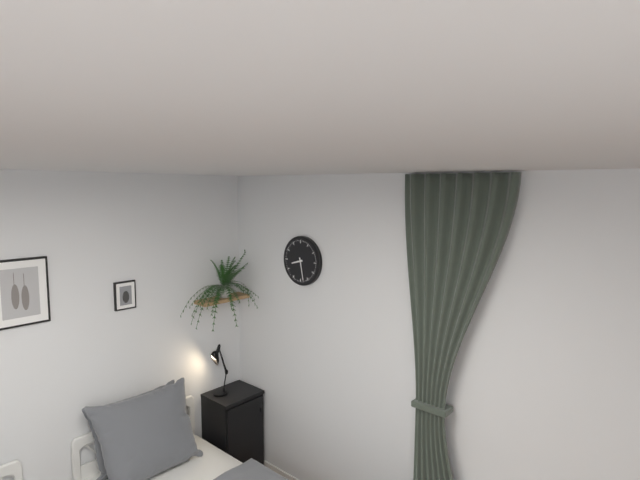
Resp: 8.28
